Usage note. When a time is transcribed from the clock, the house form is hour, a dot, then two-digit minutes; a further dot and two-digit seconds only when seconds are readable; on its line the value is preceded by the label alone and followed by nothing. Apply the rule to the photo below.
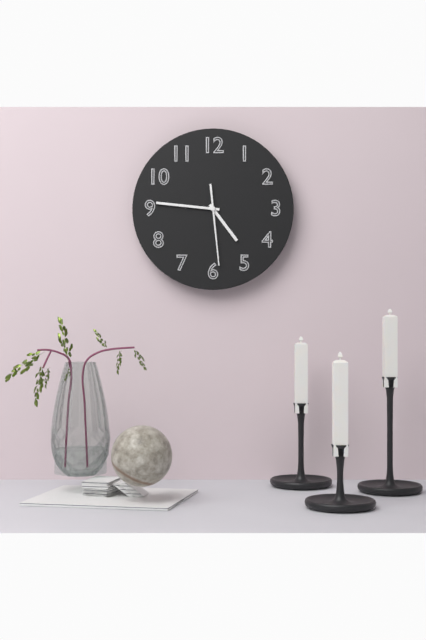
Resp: 4.46.29
